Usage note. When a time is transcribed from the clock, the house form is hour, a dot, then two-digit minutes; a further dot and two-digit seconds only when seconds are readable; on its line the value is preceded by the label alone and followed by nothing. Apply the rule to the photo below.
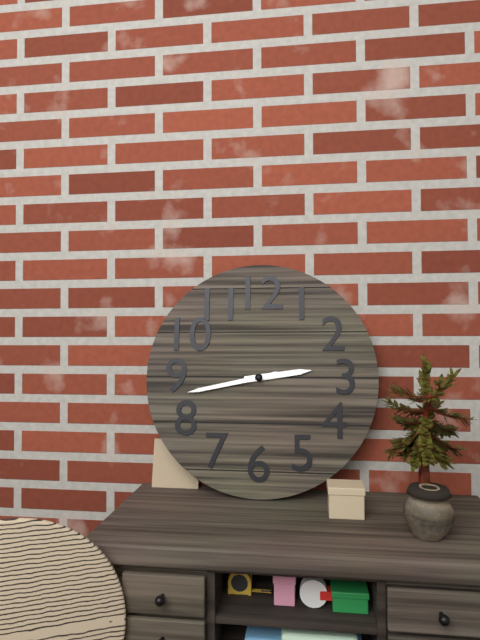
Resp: 2.43
